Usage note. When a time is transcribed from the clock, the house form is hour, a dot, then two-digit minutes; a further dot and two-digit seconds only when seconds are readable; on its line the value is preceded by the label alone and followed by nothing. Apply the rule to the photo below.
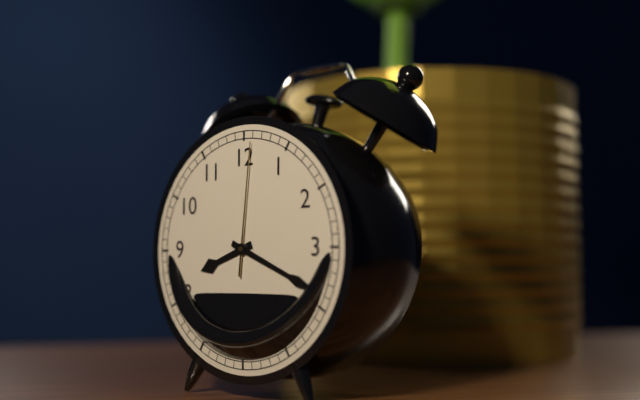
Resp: 8.19.01
